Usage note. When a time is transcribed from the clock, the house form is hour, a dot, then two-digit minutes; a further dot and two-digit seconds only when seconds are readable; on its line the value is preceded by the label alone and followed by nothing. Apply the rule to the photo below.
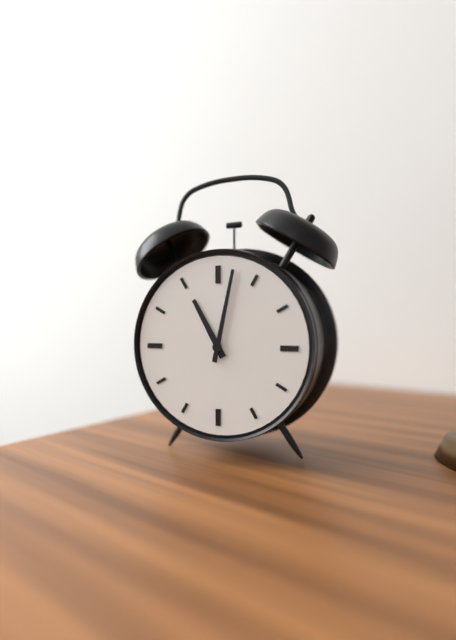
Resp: 11.02
